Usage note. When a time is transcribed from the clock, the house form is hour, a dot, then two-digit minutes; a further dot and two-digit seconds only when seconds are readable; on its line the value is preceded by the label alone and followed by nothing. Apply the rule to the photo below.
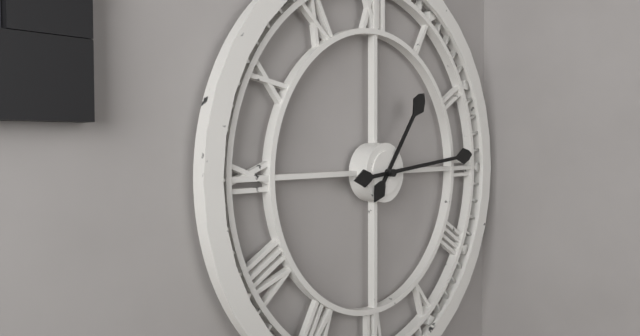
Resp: 1.14
